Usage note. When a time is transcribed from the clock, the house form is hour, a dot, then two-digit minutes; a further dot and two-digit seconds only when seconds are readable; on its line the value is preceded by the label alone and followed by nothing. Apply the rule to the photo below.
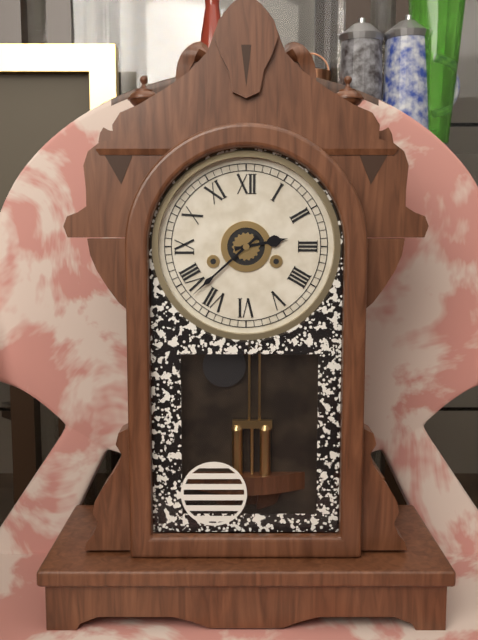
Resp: 2.38
